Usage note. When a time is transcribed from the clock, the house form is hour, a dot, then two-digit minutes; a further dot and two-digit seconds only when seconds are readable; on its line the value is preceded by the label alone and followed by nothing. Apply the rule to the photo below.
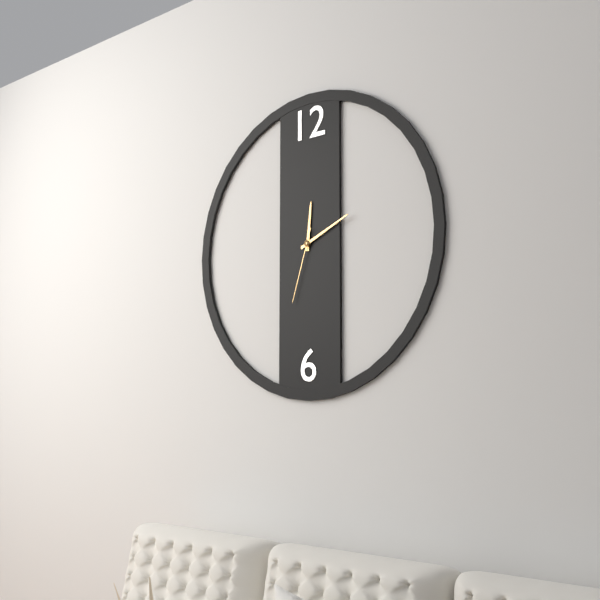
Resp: 12.11.33
